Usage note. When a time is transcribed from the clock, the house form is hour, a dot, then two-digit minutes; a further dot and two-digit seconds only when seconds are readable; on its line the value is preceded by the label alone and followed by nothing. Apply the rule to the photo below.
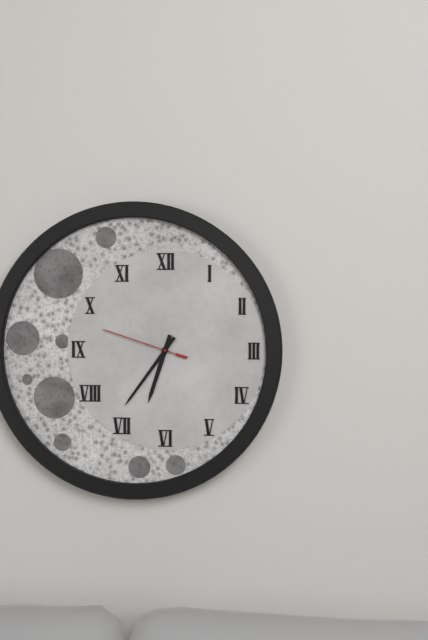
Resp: 6.36.48
